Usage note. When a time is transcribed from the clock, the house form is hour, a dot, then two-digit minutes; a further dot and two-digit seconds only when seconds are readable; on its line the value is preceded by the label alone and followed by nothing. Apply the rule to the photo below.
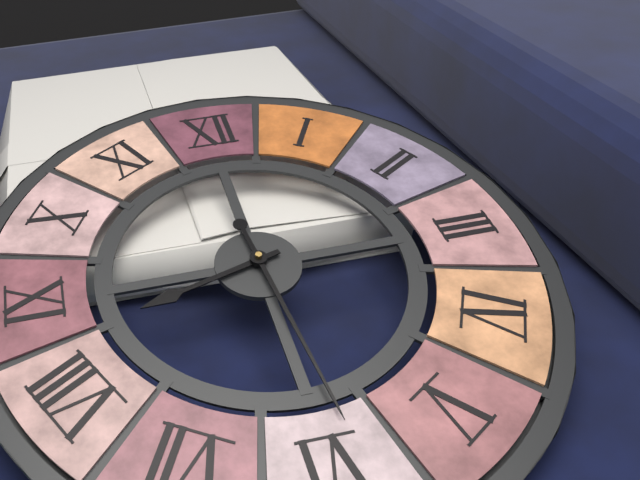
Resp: 8.29
